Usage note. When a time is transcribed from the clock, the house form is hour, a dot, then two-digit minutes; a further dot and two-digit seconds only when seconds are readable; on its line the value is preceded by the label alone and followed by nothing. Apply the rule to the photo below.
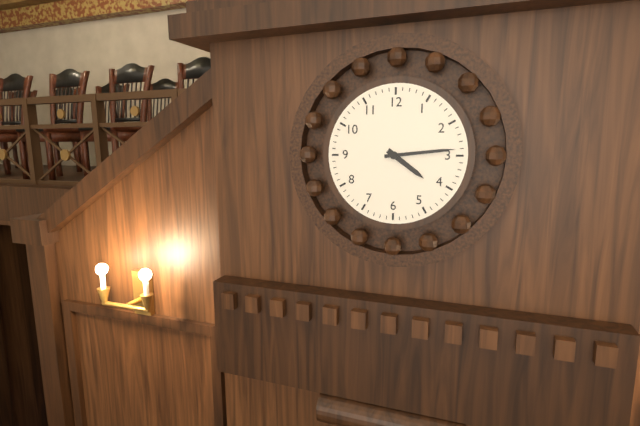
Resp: 4.14
